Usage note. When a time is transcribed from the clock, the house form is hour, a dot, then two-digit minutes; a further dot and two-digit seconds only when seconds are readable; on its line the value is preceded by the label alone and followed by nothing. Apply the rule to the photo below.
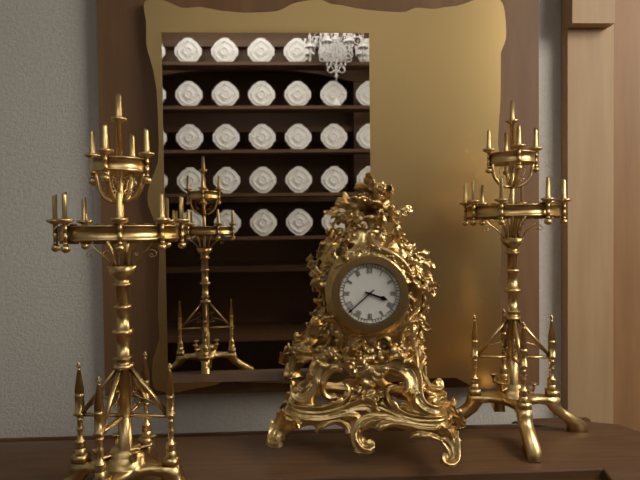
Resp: 3.38
